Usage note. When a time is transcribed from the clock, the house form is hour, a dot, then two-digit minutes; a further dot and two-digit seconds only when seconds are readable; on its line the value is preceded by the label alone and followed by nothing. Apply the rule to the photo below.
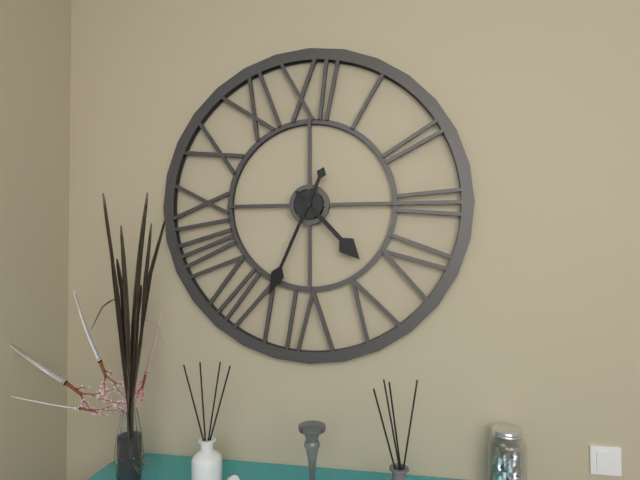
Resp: 4.34
